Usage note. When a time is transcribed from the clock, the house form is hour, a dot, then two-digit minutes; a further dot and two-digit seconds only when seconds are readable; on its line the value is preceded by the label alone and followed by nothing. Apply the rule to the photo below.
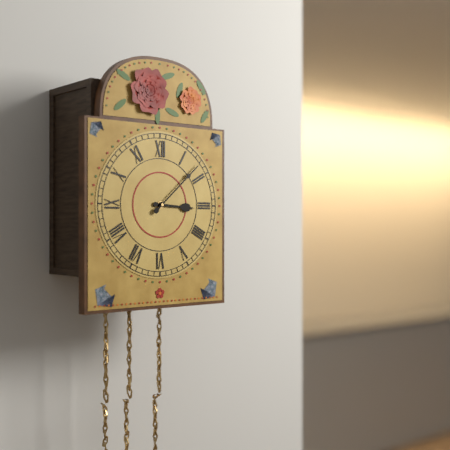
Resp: 3.08
